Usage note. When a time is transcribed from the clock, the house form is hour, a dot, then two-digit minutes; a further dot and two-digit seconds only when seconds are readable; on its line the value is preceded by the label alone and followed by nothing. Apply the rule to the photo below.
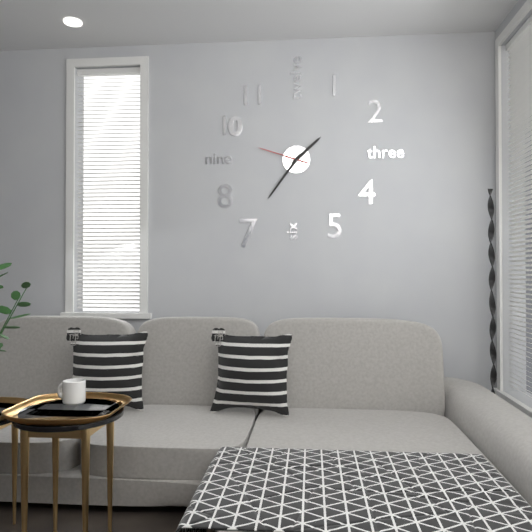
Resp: 1.36.48
